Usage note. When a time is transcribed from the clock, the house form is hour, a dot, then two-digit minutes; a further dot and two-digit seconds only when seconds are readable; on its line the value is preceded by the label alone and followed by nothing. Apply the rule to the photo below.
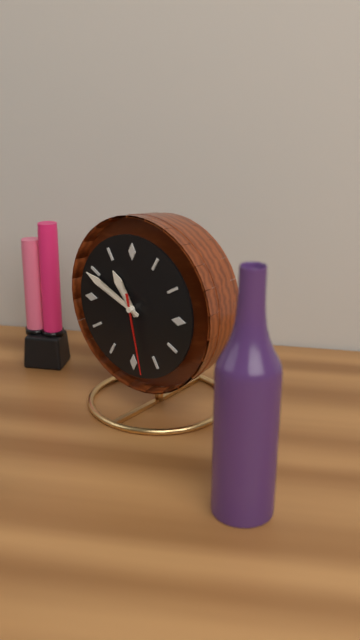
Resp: 10.49.28
